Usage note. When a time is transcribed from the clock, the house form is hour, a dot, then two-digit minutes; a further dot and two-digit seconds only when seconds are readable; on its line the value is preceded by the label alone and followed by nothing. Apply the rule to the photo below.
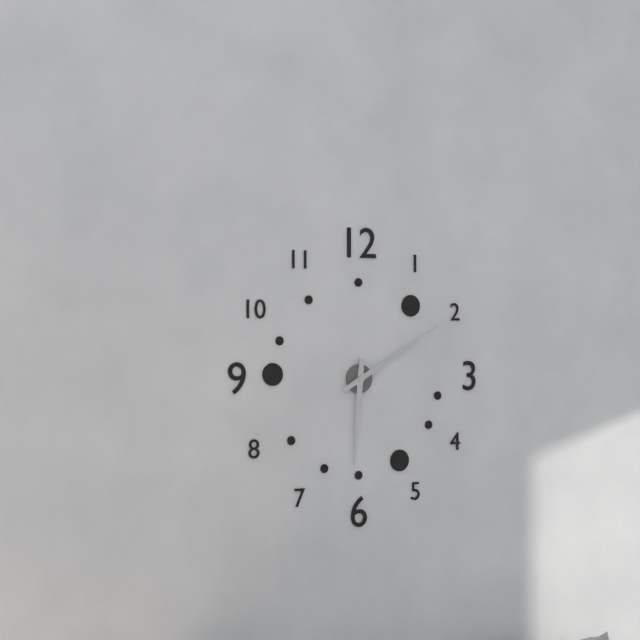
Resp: 6.10
